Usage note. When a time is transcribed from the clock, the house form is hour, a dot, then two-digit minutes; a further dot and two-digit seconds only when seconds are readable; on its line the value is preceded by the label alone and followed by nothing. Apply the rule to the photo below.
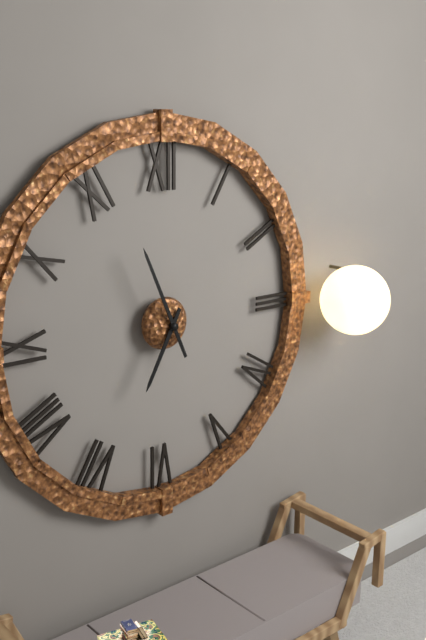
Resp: 6.56
